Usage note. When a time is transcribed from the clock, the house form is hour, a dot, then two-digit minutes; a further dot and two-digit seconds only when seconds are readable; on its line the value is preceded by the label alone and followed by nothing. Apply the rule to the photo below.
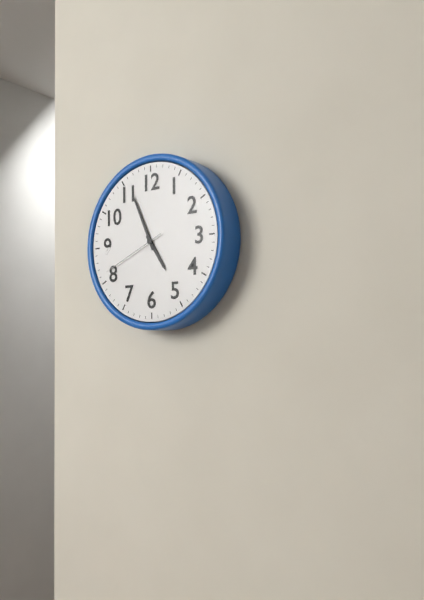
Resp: 4.56.41
